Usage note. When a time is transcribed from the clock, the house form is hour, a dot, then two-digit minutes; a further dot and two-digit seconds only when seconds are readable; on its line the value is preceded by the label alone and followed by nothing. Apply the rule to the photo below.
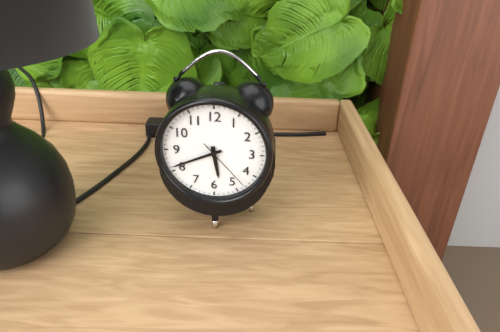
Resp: 5.41.23
